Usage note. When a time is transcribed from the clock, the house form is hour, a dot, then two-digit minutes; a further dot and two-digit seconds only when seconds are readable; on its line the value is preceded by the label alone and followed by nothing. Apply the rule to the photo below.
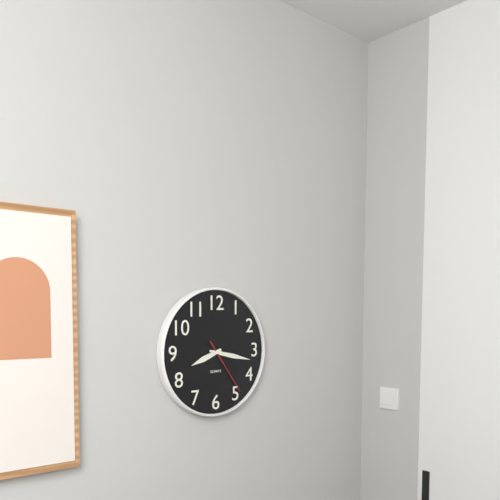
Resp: 8.17.24
